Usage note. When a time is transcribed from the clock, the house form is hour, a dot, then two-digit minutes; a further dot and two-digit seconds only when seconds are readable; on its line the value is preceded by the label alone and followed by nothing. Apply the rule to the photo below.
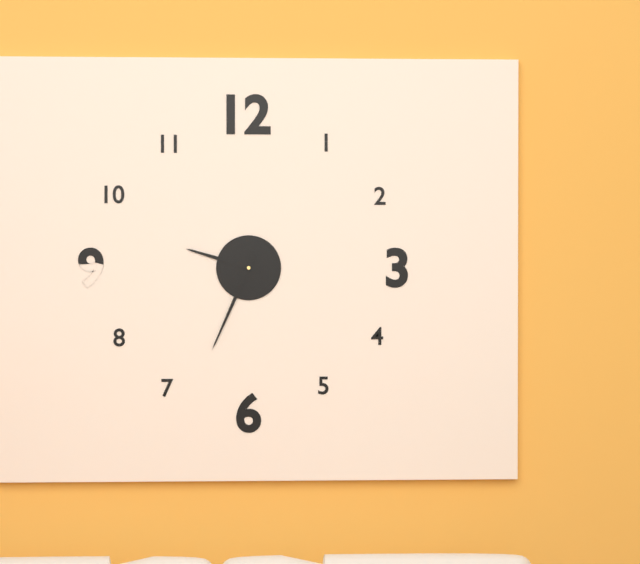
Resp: 9.34
